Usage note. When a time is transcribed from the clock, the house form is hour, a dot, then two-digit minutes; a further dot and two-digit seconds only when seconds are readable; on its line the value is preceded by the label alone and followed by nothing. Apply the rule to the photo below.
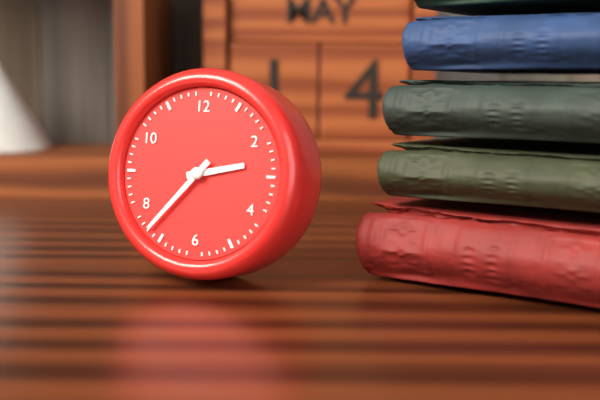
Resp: 2.37
